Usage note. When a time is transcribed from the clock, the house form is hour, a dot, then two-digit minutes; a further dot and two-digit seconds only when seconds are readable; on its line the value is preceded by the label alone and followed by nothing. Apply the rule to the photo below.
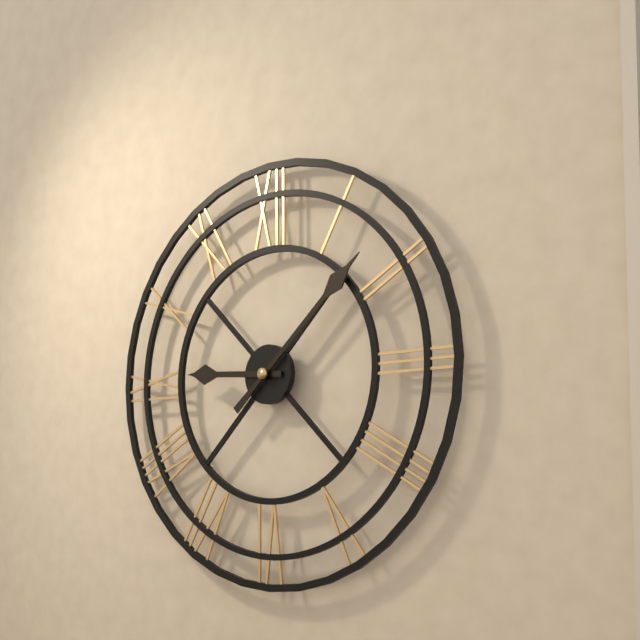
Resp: 9.08
